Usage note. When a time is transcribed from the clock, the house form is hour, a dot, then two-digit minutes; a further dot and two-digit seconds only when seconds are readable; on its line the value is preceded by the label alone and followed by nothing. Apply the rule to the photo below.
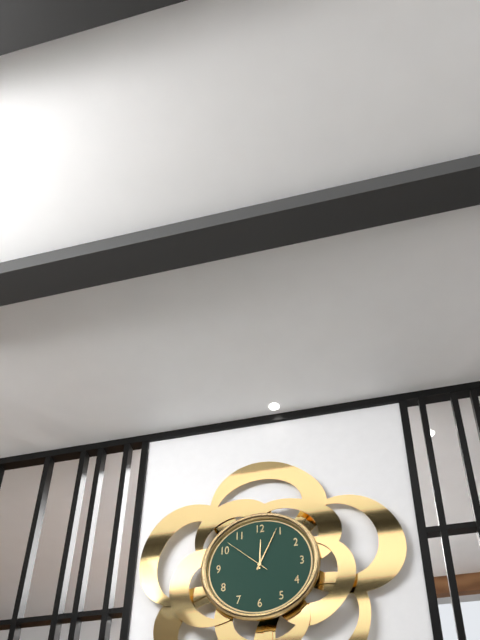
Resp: 12.04.52
